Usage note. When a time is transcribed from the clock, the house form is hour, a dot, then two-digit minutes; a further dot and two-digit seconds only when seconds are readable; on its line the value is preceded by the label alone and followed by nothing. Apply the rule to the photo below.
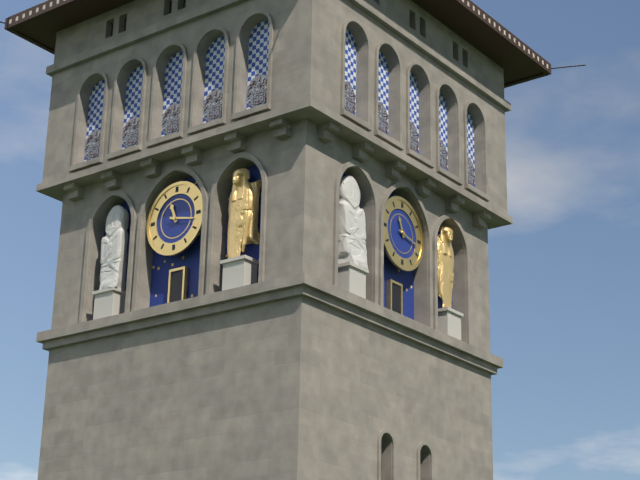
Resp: 11.17
